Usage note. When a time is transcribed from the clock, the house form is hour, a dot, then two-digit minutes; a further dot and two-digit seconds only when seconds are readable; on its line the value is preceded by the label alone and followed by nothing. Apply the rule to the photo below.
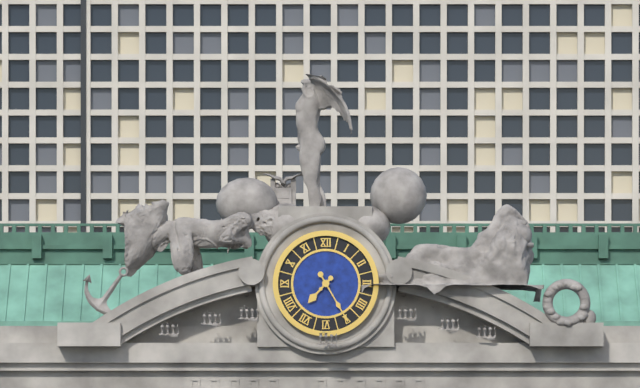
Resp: 7.25
